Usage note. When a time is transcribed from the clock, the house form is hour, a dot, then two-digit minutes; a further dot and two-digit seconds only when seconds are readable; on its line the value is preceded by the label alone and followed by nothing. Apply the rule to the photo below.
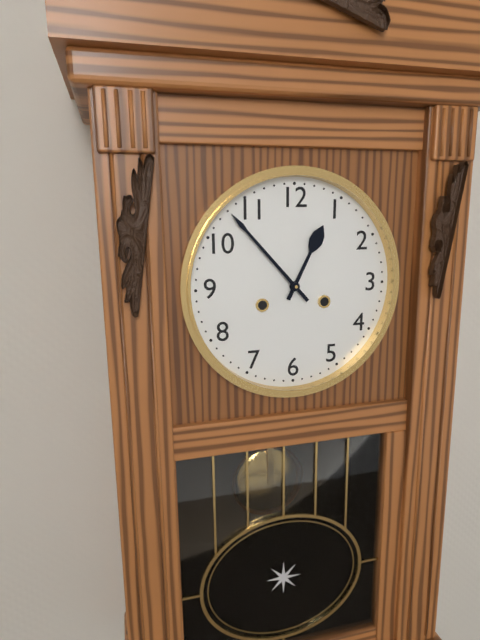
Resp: 12.53
